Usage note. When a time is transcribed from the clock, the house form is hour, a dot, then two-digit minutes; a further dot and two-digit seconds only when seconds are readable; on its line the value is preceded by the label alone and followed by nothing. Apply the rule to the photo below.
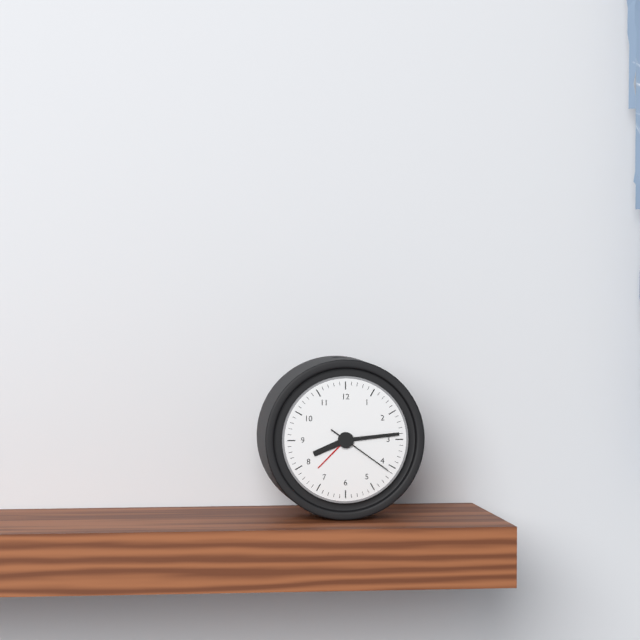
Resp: 8.14.21
